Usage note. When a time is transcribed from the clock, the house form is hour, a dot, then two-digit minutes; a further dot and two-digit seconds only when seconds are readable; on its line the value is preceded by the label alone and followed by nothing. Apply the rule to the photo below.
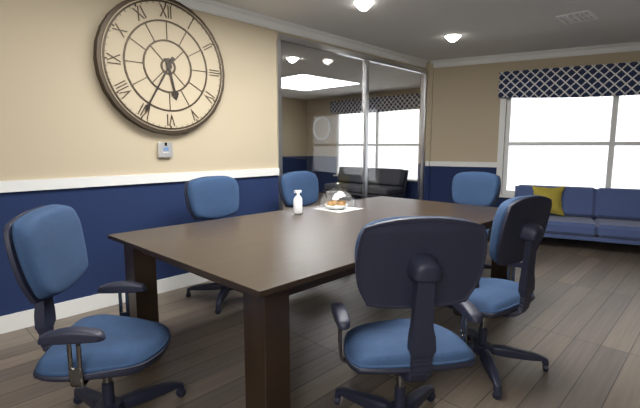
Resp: 5.35
